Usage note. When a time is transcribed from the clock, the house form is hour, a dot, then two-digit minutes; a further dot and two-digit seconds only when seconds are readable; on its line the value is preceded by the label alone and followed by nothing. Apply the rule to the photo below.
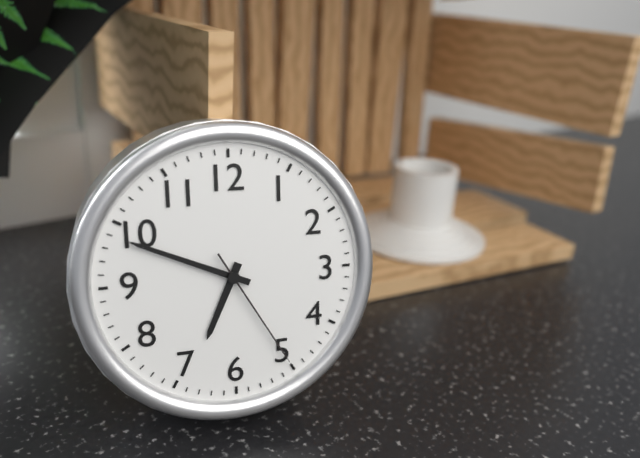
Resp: 6.49.25
